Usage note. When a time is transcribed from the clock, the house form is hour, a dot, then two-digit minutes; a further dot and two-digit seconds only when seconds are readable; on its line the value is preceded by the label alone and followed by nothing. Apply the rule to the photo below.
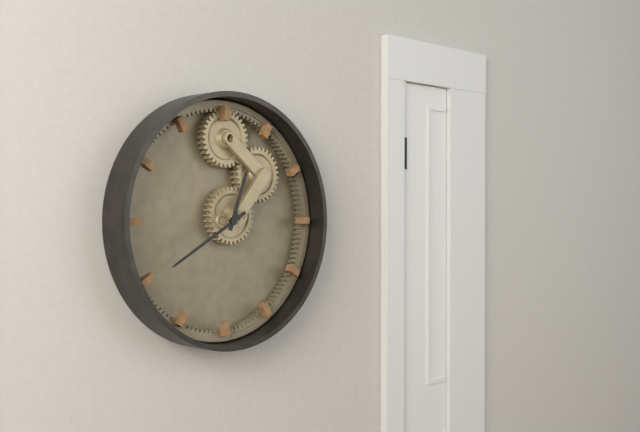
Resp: 12.40
